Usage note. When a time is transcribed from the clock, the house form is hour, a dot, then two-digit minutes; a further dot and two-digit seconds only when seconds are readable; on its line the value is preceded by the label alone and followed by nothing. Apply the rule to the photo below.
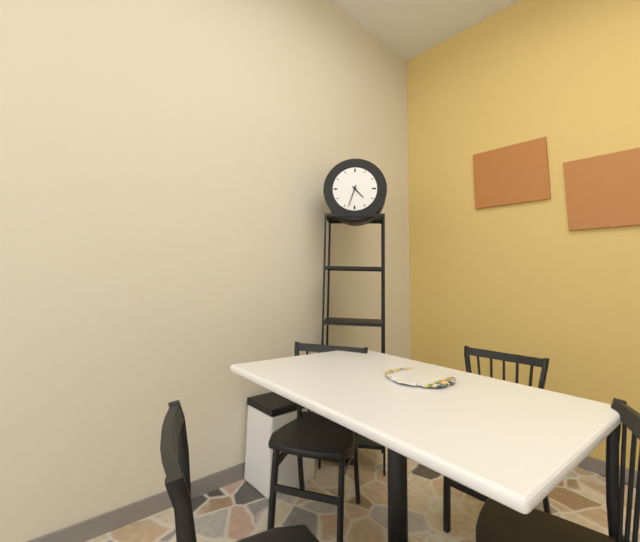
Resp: 4.33
